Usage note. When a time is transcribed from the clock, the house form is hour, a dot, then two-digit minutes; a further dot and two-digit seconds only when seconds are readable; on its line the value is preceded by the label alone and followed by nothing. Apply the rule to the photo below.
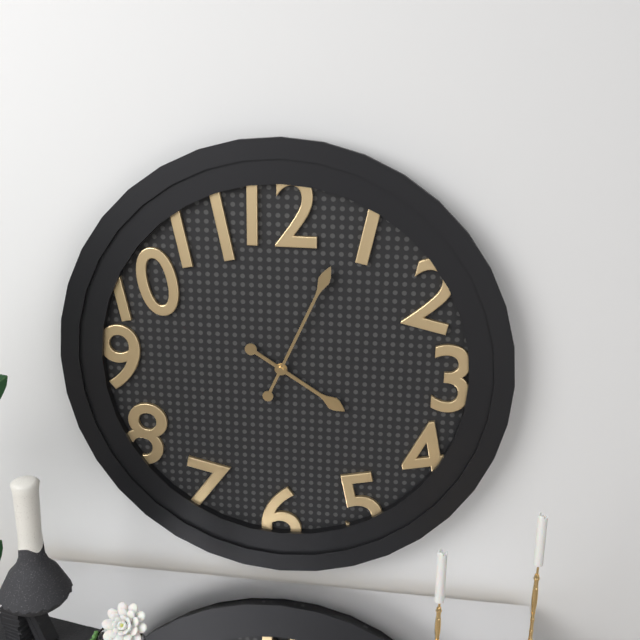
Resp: 4.04
